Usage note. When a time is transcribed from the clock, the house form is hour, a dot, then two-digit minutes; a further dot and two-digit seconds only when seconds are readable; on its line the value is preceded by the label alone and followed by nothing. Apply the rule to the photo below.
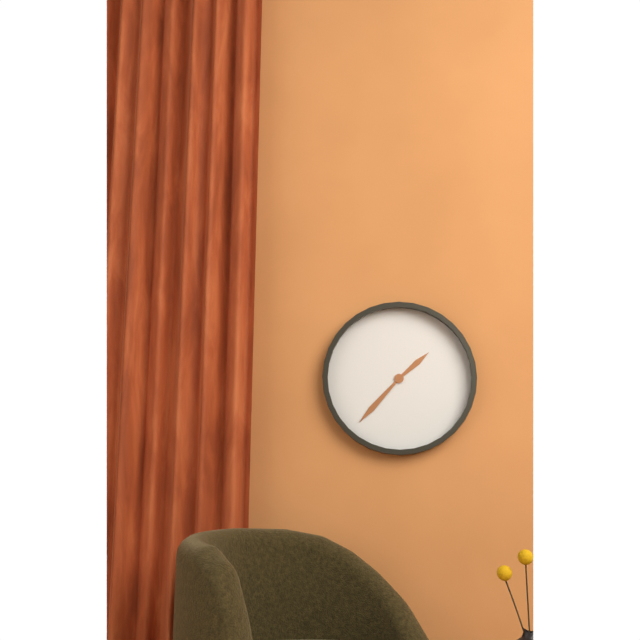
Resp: 1.37
